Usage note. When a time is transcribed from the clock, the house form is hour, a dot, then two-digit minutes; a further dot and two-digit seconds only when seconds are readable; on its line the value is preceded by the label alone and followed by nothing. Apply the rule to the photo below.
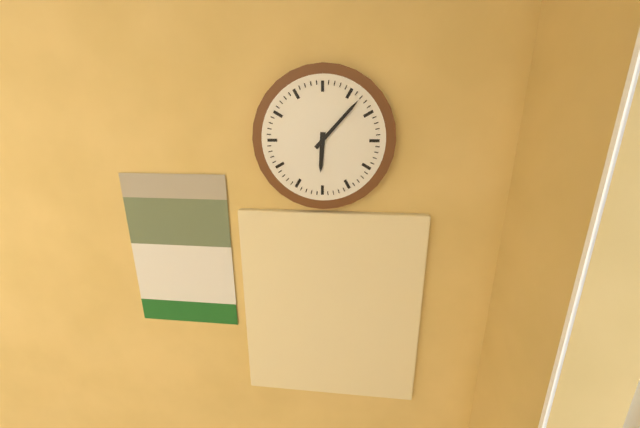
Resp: 6.07
